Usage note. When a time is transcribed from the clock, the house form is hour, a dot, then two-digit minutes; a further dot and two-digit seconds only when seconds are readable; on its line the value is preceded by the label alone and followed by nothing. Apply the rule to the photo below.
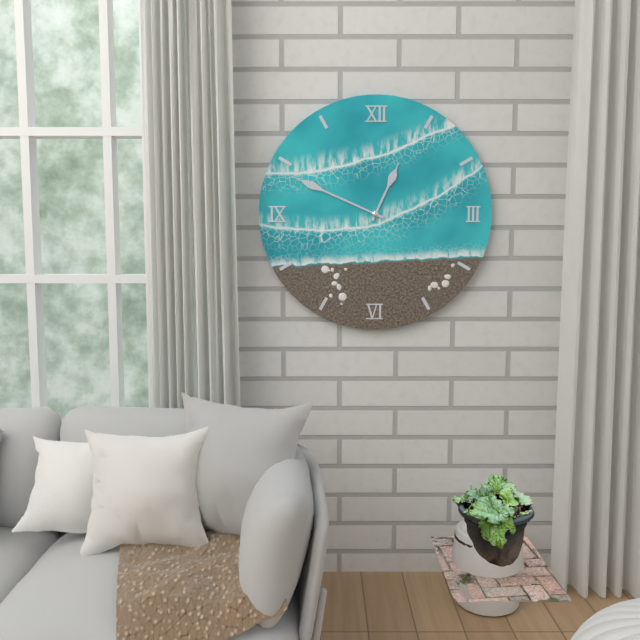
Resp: 12.49
